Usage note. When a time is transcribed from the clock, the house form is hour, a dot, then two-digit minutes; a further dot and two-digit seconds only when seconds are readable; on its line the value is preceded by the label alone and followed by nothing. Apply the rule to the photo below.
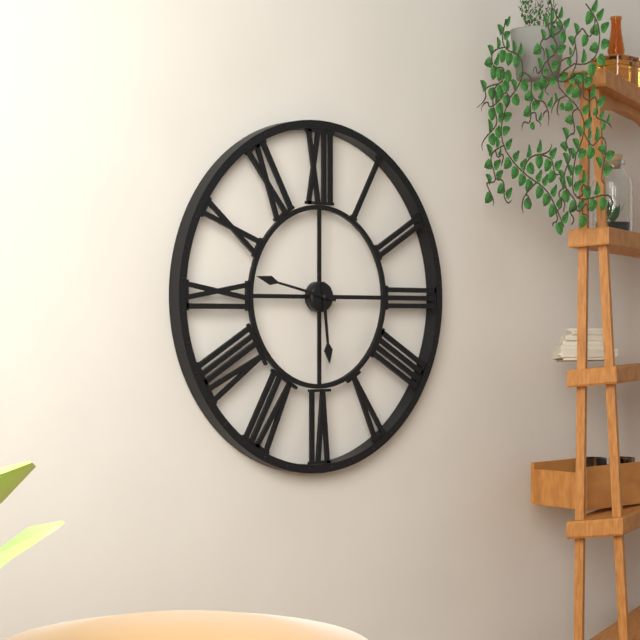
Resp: 5.47
